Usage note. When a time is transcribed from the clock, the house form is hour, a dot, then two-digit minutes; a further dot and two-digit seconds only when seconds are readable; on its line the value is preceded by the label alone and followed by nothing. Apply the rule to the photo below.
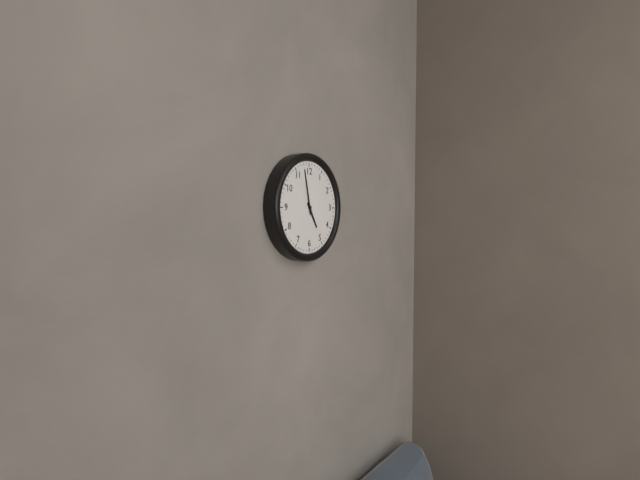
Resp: 4.58
